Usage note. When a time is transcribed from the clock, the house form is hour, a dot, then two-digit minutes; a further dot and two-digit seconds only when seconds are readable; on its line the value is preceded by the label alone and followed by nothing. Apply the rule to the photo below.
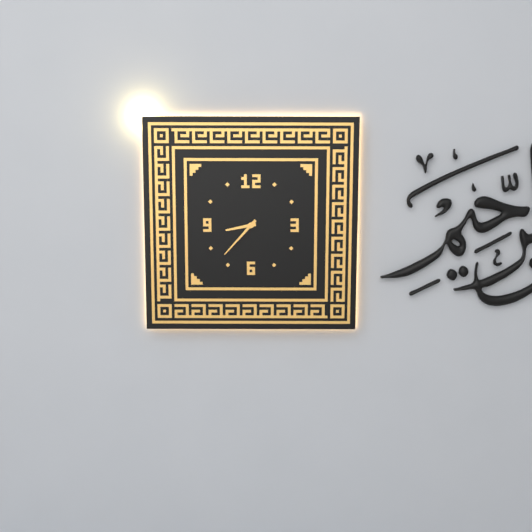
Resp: 8.37
